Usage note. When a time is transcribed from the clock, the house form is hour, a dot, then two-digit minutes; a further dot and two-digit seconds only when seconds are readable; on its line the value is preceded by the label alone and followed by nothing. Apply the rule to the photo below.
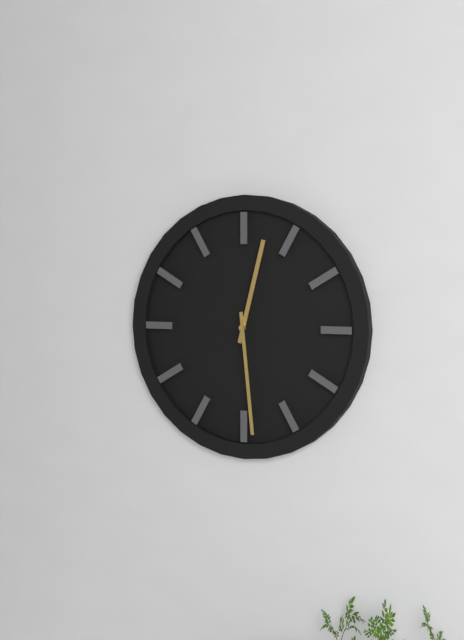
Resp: 12.29
